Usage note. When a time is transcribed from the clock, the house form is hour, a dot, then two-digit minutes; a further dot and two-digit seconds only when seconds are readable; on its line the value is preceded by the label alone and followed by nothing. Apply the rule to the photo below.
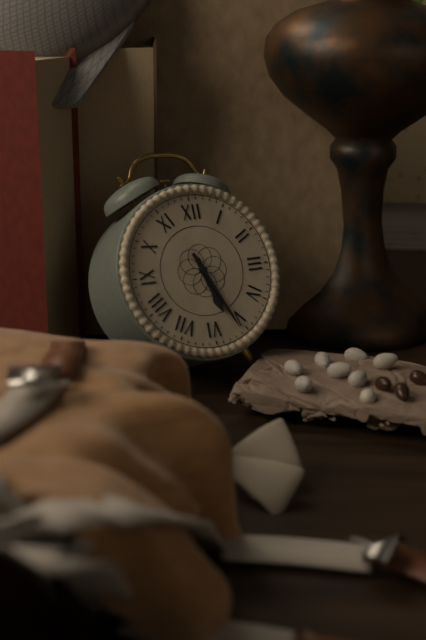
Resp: 5.26
